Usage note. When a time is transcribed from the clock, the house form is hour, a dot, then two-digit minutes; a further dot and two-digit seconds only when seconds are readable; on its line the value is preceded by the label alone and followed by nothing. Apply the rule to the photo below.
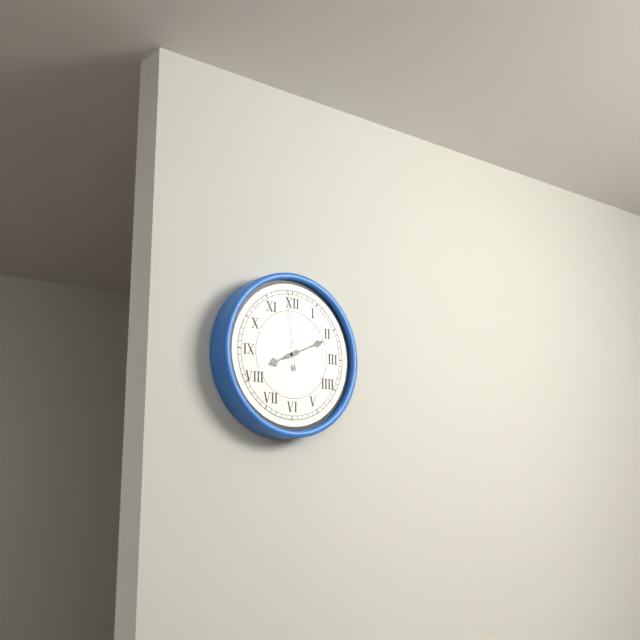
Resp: 8.11.59
